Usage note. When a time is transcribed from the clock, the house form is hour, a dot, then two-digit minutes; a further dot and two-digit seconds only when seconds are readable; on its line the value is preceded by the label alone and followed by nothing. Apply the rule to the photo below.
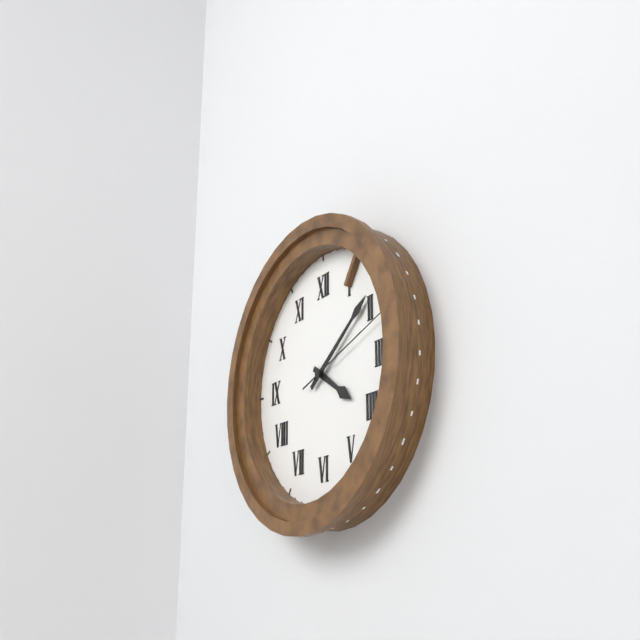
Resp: 4.09.12
